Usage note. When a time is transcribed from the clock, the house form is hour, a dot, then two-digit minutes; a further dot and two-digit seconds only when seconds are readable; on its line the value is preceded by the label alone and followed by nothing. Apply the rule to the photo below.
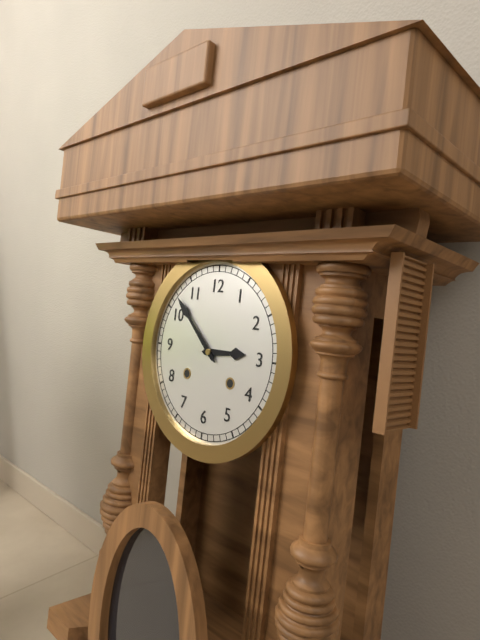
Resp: 2.52
